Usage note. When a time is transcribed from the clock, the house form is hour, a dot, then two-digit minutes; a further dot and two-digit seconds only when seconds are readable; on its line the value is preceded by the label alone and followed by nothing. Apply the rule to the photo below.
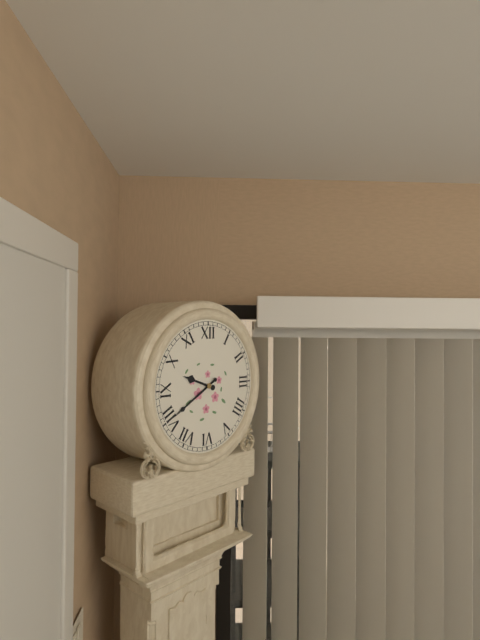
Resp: 9.40
